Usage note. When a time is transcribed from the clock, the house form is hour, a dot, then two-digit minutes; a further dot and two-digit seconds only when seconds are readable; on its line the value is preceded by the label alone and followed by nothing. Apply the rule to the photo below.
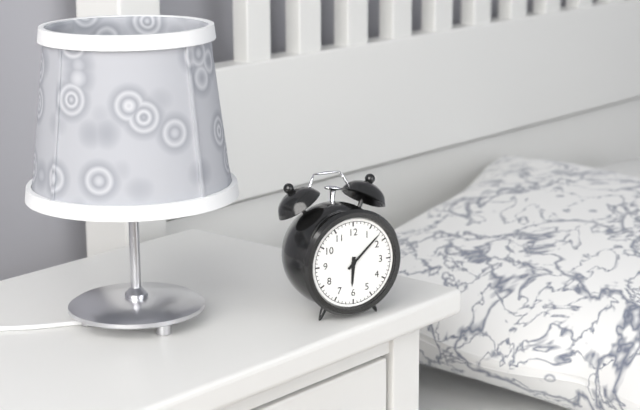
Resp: 6.08
